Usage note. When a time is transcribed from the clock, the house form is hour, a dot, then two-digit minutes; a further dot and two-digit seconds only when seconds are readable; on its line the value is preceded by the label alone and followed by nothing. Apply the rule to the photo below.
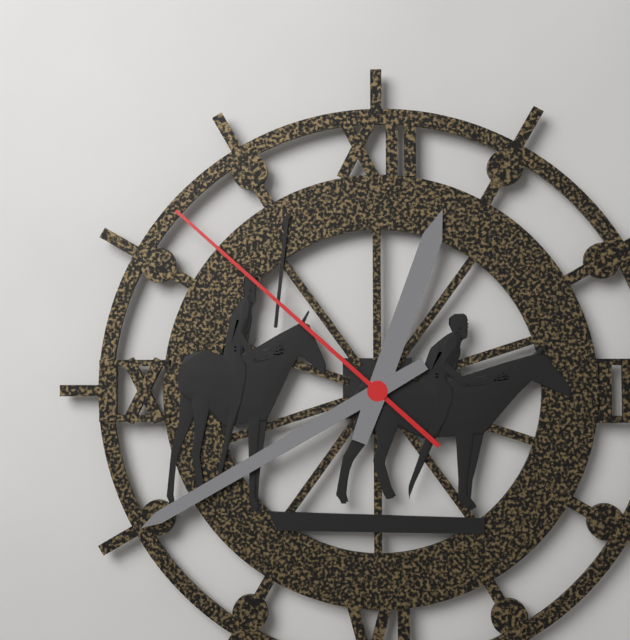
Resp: 12.40.52
